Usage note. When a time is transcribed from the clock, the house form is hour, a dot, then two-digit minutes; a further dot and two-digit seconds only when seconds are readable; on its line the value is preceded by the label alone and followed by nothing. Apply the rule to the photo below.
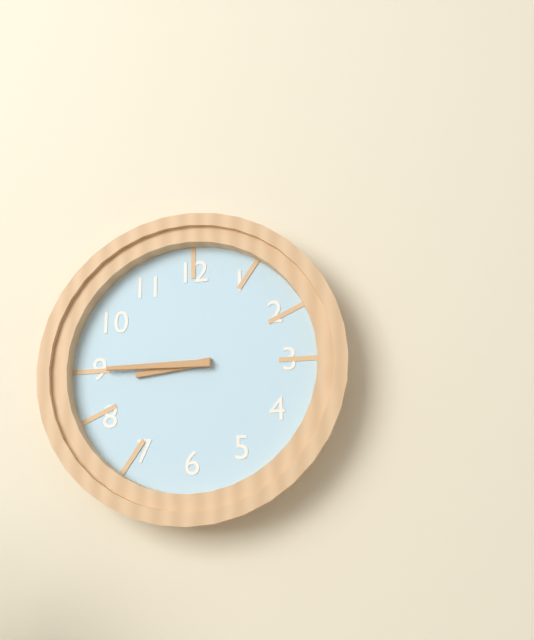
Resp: 8.45
